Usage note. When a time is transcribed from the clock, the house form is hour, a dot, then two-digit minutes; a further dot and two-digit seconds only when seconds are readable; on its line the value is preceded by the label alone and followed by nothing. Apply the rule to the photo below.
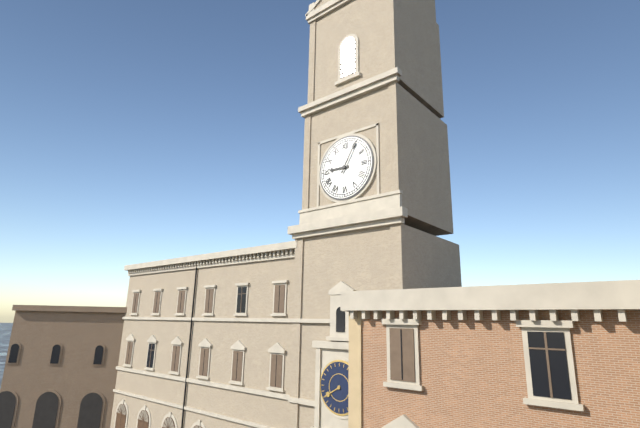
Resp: 9.05
